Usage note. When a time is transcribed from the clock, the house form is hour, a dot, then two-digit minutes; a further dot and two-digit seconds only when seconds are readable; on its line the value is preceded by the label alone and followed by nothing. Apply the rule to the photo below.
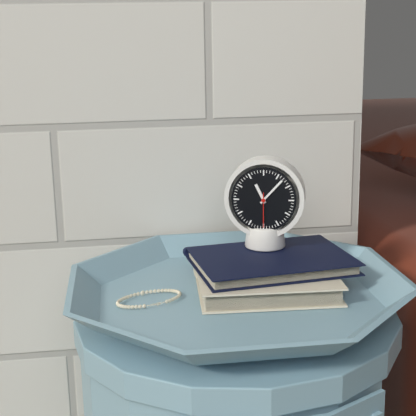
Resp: 11.07
